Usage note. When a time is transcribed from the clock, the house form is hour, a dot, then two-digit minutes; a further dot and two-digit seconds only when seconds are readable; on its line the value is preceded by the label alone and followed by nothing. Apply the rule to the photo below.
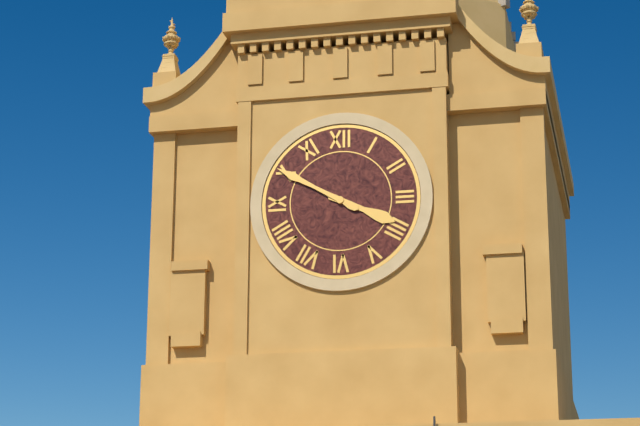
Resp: 3.50
